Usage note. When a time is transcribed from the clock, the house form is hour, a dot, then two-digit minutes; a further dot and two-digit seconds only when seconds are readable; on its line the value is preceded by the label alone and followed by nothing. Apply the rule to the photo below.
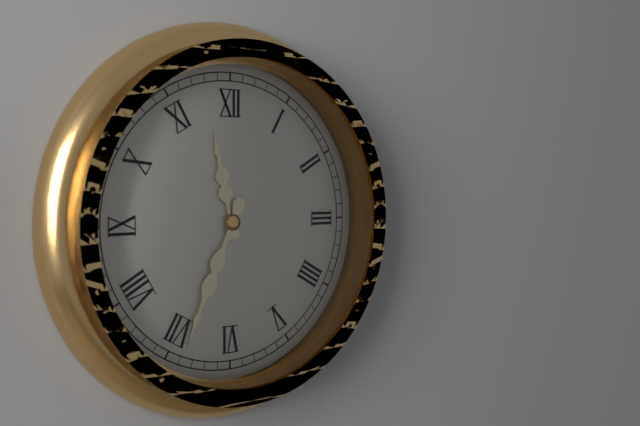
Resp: 11.34
